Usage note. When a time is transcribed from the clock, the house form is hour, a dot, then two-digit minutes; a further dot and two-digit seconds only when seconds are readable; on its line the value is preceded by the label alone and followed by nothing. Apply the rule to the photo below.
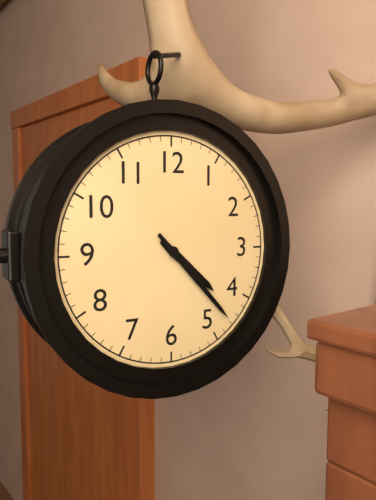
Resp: 4.23
